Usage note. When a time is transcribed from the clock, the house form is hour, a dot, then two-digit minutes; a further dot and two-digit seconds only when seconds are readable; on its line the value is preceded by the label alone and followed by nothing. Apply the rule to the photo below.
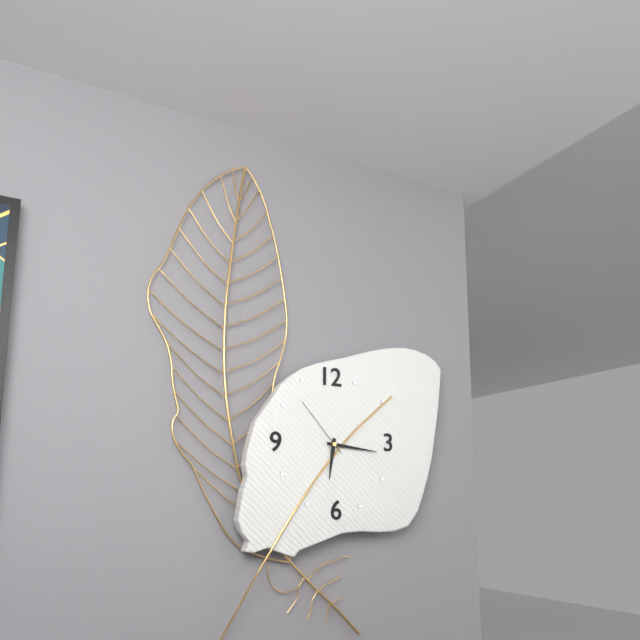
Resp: 6.16.53
